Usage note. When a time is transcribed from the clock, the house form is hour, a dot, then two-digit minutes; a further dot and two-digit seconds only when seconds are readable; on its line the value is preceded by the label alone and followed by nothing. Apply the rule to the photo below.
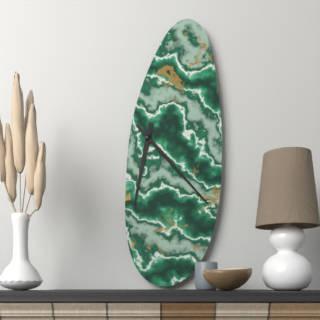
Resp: 6.23
